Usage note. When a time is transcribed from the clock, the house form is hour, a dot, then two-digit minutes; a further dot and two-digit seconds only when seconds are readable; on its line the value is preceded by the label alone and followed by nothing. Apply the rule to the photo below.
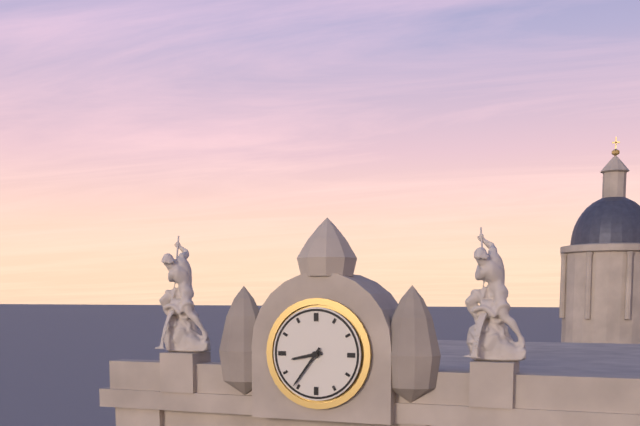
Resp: 8.36
